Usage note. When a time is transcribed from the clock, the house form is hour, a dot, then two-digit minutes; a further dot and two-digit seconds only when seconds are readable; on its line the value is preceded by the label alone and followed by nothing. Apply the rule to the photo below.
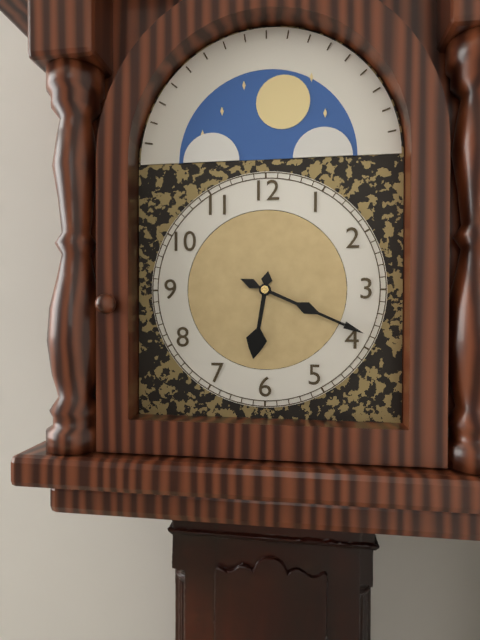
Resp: 6.19
